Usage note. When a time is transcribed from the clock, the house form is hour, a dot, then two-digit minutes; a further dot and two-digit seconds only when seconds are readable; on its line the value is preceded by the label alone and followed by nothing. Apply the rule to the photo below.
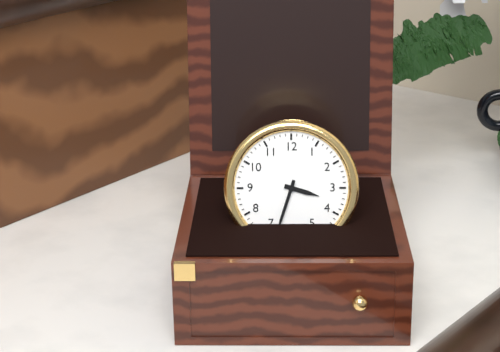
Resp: 3.33
